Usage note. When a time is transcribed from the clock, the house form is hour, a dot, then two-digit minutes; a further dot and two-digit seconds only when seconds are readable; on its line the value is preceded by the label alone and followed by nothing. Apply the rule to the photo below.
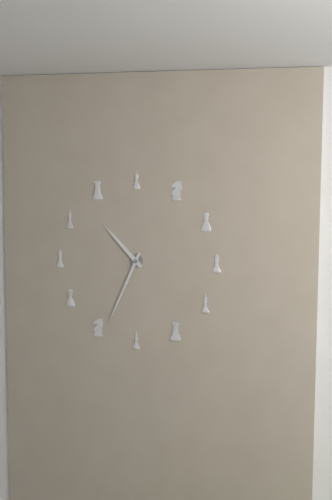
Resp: 10.34
